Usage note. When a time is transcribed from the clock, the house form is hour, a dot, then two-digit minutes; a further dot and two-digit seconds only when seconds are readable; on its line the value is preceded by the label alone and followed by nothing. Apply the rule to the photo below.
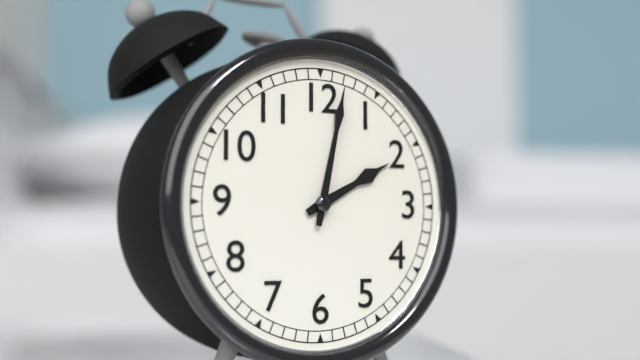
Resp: 2.02
